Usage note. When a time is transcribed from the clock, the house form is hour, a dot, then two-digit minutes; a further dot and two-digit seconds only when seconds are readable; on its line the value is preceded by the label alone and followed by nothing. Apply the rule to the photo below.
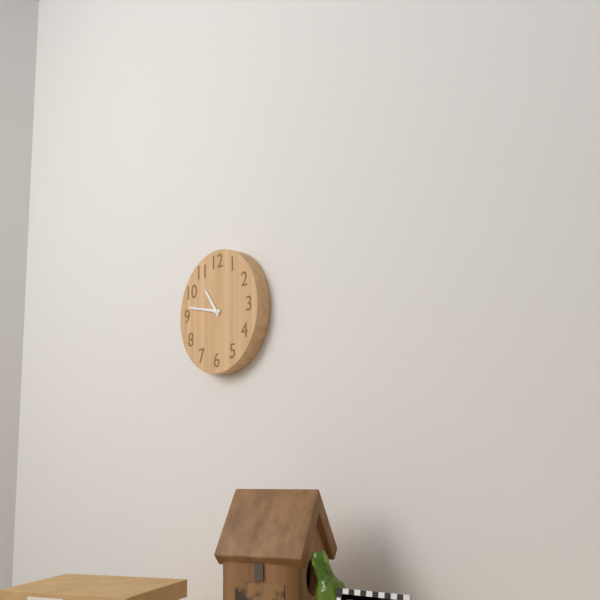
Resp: 10.47
